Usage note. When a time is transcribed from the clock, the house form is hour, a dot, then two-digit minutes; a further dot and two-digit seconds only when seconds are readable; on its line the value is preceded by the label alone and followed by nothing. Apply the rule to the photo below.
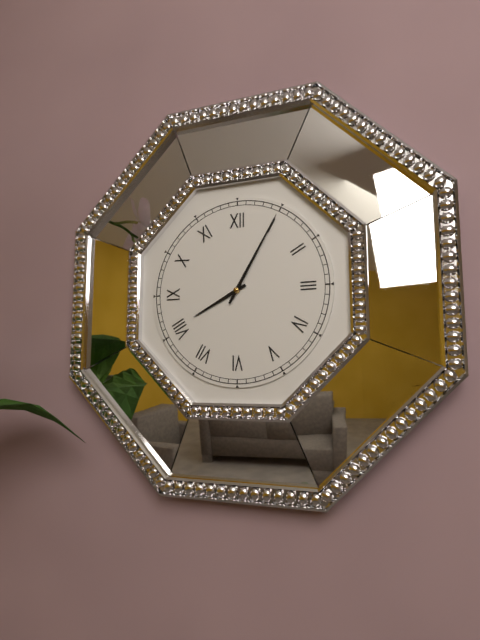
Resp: 8.05
